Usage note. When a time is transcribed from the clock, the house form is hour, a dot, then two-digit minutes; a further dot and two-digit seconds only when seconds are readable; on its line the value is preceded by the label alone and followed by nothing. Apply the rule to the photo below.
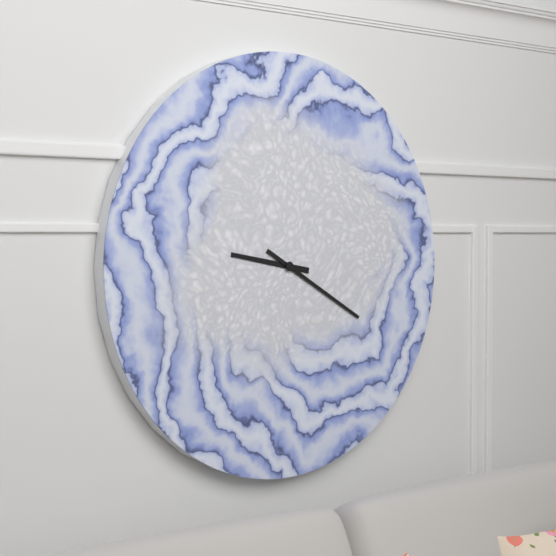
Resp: 9.20
